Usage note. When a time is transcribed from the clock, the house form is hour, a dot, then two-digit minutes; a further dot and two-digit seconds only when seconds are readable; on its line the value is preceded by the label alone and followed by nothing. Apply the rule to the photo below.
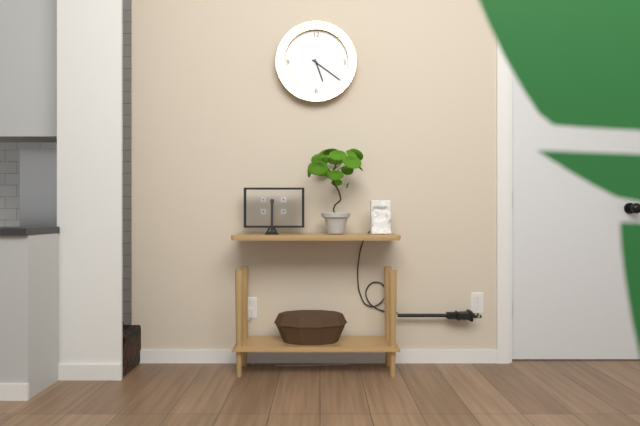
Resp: 5.21
